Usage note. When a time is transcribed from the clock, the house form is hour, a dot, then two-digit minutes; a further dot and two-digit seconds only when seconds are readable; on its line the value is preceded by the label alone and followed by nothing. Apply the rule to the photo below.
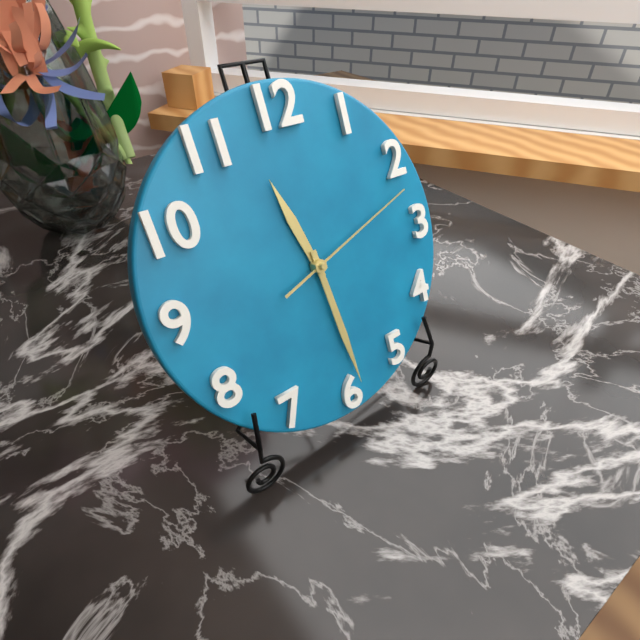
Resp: 11.29.12
